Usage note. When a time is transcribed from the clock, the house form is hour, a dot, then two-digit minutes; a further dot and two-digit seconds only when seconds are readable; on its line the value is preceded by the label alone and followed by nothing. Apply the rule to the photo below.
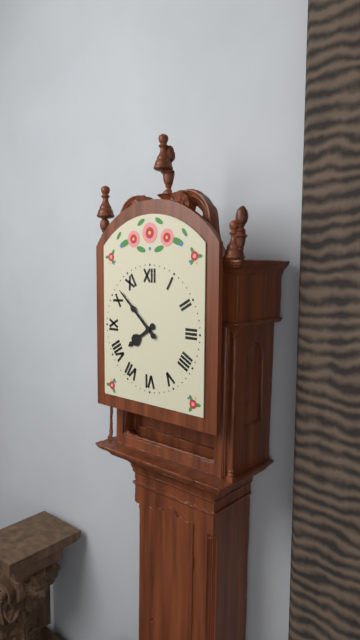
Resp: 7.52
